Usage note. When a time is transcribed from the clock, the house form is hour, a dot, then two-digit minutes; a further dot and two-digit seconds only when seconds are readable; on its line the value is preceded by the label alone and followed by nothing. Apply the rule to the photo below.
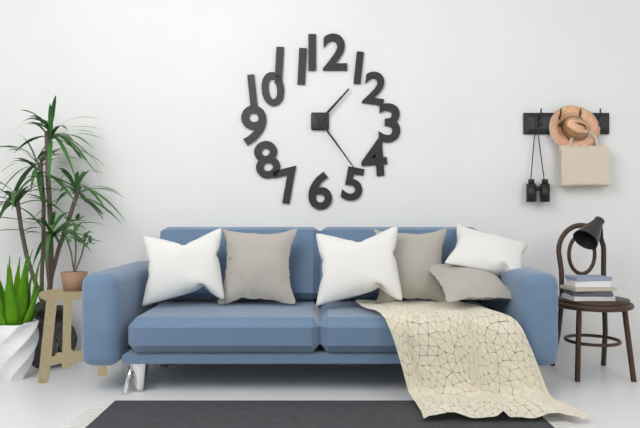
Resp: 1.24
